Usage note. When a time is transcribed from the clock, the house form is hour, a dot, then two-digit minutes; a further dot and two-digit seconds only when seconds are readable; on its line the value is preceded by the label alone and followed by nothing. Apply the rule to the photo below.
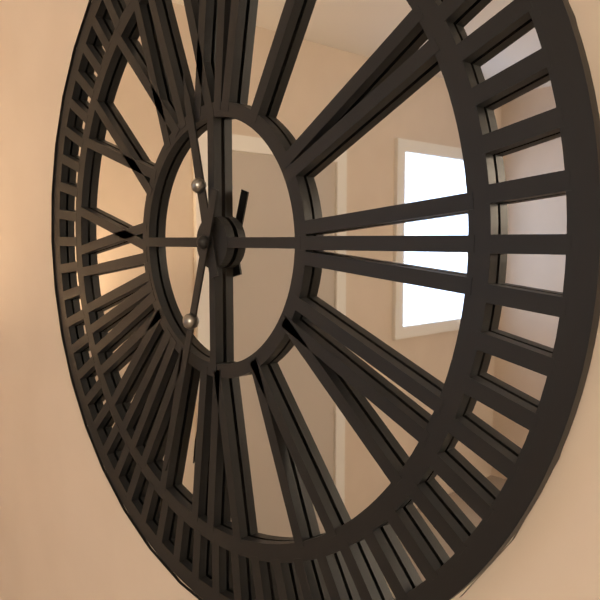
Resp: 11.33
